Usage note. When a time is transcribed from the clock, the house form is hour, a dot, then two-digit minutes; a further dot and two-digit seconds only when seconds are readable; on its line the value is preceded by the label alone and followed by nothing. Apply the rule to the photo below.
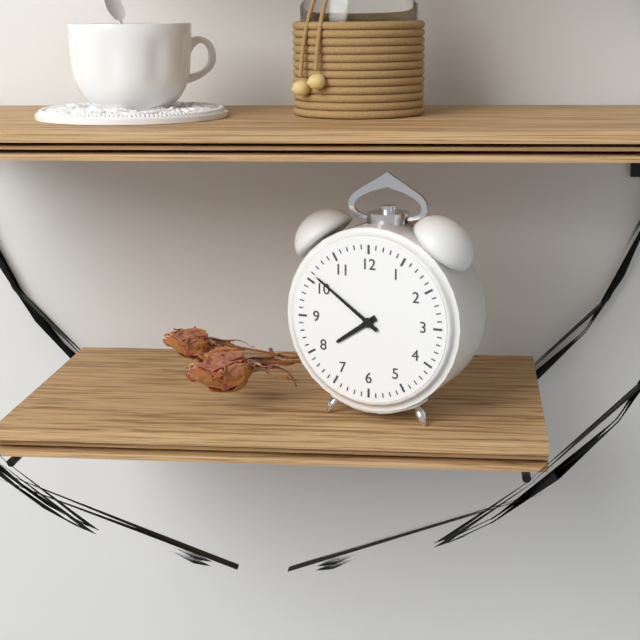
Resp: 7.51
